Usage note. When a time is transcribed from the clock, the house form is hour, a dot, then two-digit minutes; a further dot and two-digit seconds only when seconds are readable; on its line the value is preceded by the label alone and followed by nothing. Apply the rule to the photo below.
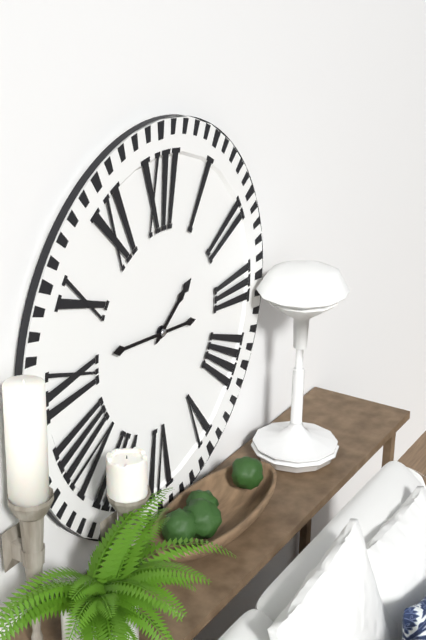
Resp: 1.46
